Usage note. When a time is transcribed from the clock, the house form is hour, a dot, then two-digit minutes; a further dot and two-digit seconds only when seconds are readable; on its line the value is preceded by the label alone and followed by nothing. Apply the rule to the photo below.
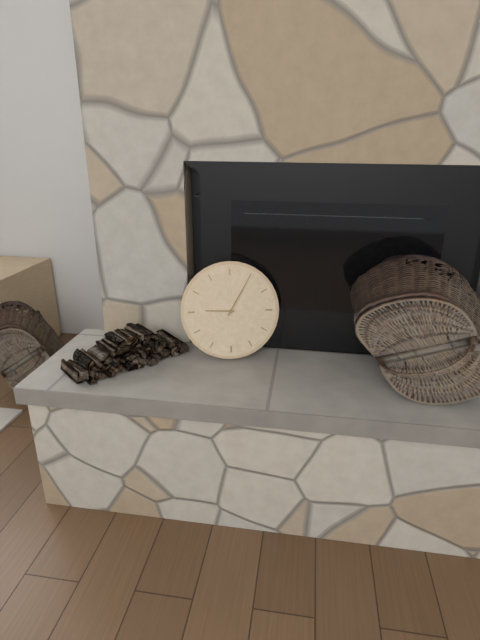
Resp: 9.05
